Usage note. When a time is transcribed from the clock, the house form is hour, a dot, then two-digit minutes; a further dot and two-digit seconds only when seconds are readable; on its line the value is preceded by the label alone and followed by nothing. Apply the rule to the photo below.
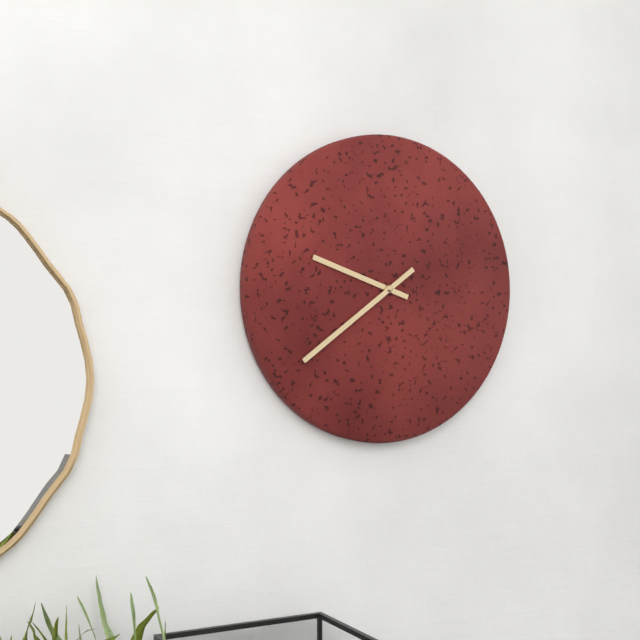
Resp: 9.39
